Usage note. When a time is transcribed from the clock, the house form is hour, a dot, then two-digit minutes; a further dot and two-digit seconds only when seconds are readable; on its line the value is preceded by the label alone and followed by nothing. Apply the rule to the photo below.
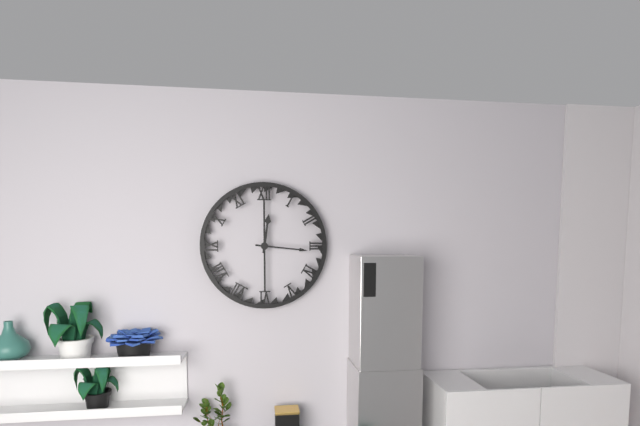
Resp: 12.16
